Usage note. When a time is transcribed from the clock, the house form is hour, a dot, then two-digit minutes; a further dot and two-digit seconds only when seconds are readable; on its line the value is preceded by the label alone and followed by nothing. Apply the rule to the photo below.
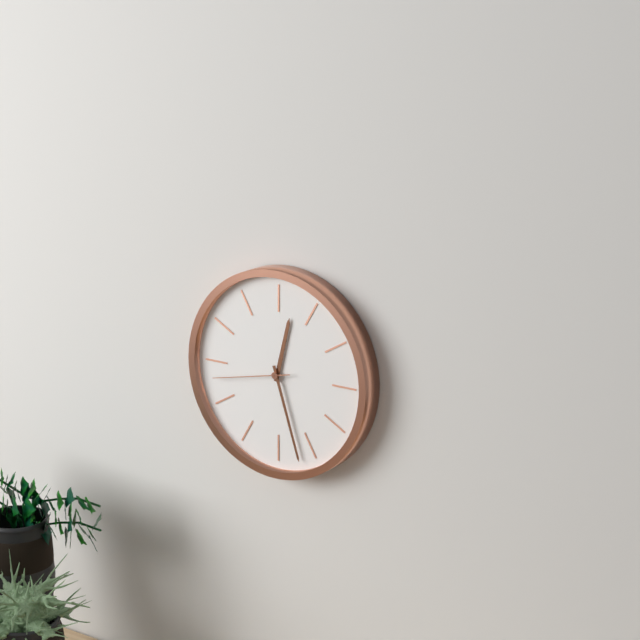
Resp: 12.27.43
